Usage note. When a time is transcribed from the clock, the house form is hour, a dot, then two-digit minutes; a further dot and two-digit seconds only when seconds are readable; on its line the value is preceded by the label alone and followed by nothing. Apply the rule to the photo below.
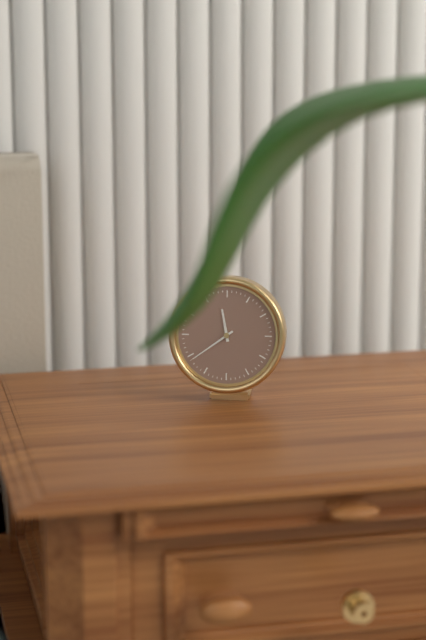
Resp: 11.39
